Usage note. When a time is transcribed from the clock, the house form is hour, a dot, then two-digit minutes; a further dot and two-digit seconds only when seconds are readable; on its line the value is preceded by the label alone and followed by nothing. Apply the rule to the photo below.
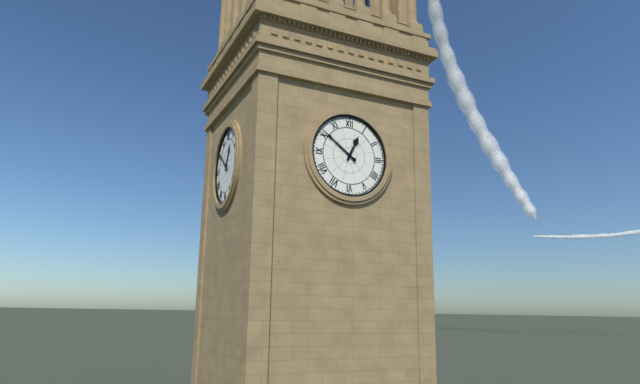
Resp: 12.51
